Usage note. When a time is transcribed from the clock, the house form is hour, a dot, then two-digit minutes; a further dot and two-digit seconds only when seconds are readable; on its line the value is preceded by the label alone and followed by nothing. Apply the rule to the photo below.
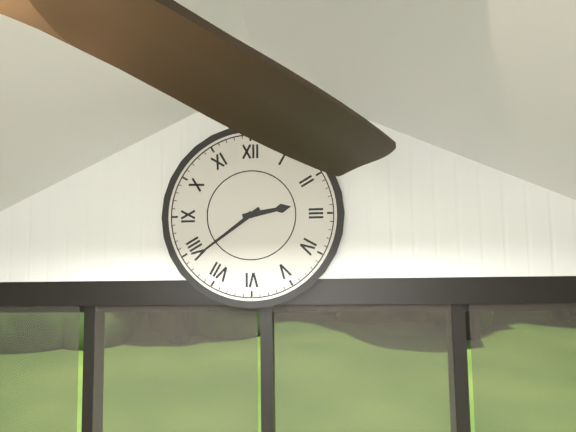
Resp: 2.39
